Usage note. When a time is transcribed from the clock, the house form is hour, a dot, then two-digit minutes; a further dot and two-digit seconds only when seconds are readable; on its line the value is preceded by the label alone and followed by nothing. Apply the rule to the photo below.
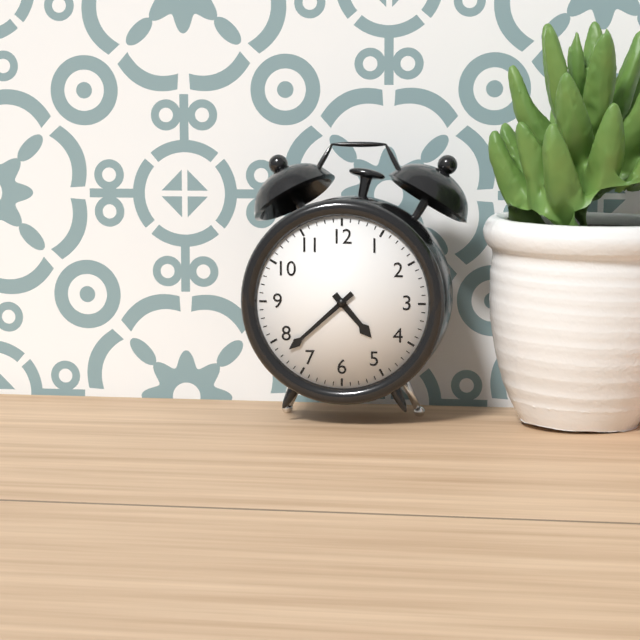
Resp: 4.38
